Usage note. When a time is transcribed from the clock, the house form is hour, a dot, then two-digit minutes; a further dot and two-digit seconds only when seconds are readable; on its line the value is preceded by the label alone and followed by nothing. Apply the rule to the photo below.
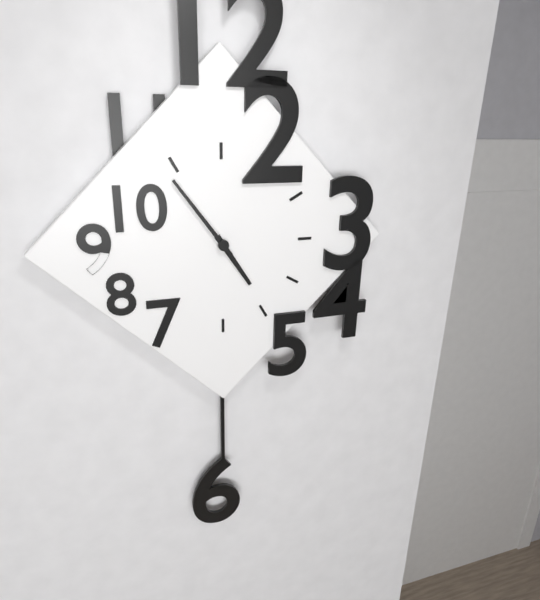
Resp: 4.54
